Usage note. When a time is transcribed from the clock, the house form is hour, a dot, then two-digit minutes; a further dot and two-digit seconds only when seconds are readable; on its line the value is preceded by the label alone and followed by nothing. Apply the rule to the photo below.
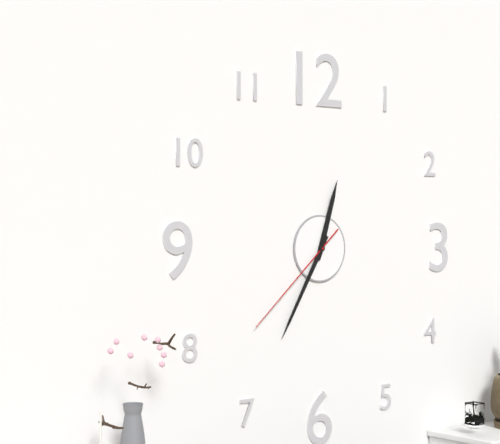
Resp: 12.35.38
